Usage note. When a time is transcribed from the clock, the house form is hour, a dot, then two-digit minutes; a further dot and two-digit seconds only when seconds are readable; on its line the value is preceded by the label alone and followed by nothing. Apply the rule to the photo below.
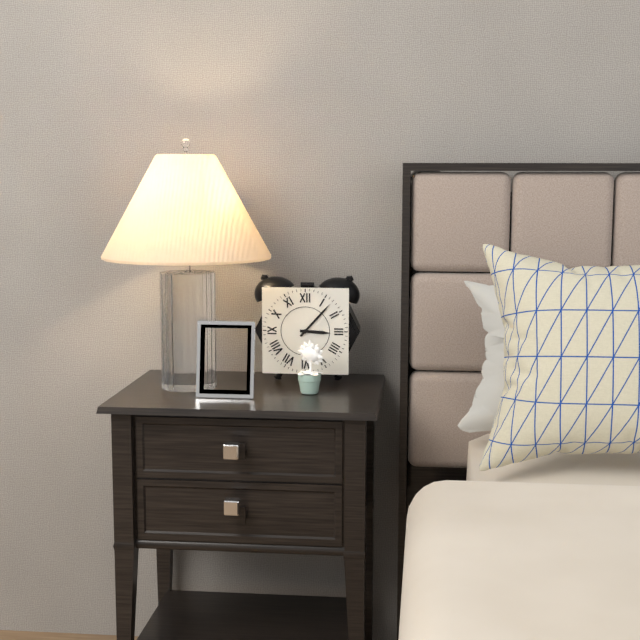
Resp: 3.07
